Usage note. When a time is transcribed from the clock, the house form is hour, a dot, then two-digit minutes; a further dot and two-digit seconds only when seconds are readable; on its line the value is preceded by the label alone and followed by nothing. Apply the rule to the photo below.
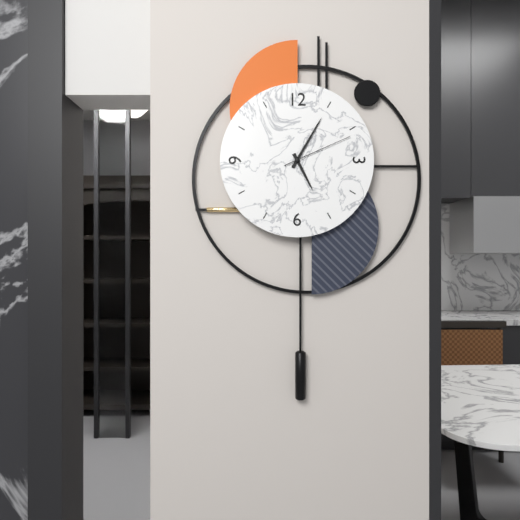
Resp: 5.05.11
